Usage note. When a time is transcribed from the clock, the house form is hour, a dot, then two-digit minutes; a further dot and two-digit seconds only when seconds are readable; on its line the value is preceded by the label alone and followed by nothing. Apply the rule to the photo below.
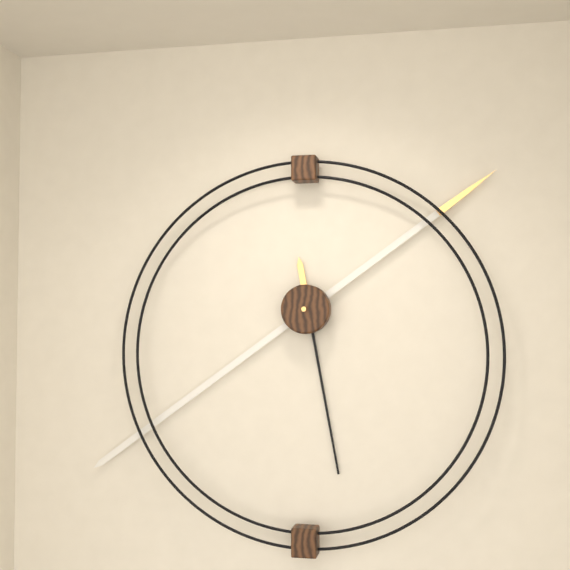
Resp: 5.39
